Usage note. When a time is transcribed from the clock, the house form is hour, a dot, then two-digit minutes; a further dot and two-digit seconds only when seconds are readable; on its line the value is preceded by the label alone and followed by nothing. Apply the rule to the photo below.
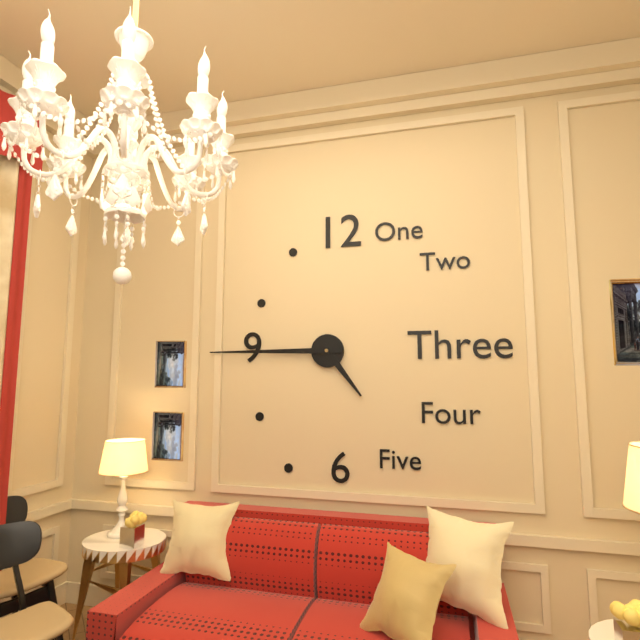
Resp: 4.45
